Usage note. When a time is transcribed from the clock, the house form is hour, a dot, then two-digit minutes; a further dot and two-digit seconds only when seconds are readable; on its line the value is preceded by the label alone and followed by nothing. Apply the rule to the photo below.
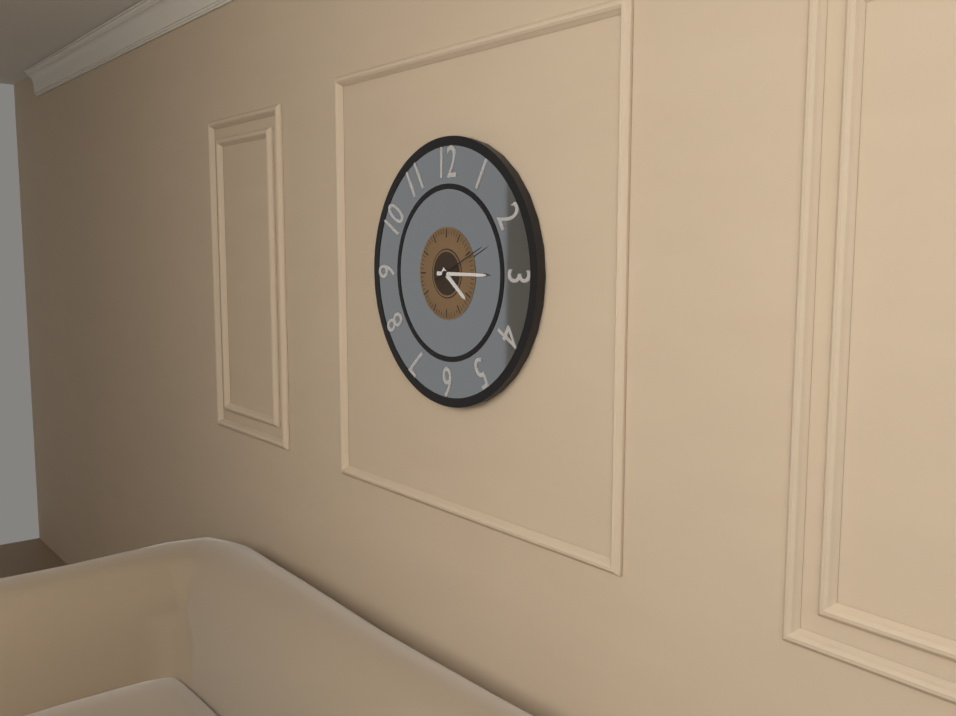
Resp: 4.15.11
